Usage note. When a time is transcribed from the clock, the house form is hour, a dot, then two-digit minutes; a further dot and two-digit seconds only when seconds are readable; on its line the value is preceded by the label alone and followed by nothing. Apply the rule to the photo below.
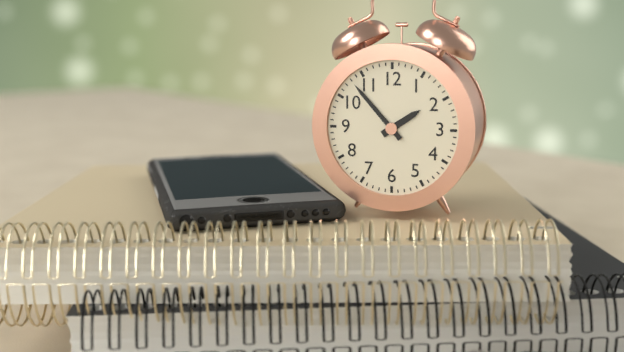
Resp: 1.53
